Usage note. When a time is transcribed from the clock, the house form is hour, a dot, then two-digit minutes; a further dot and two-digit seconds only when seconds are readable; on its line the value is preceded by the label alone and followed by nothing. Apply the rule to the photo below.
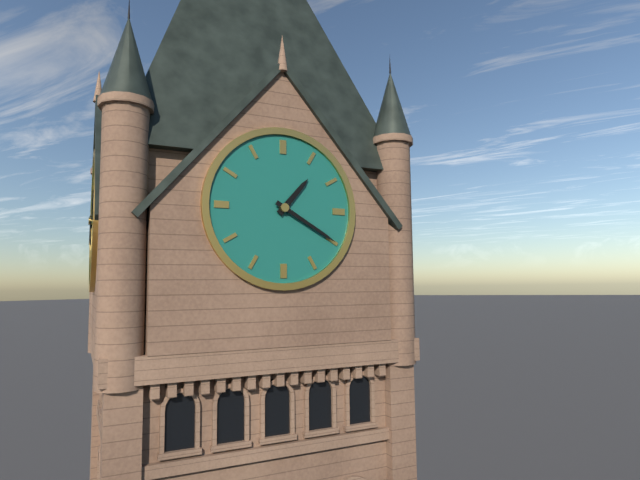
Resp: 1.20
